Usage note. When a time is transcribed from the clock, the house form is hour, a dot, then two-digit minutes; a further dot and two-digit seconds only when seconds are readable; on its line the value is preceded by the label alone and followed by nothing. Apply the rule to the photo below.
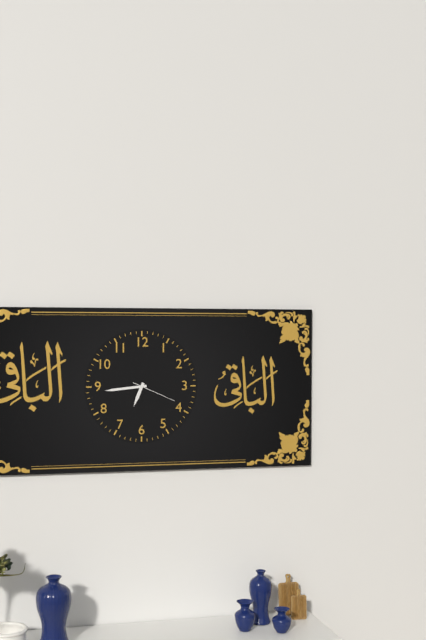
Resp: 6.44
